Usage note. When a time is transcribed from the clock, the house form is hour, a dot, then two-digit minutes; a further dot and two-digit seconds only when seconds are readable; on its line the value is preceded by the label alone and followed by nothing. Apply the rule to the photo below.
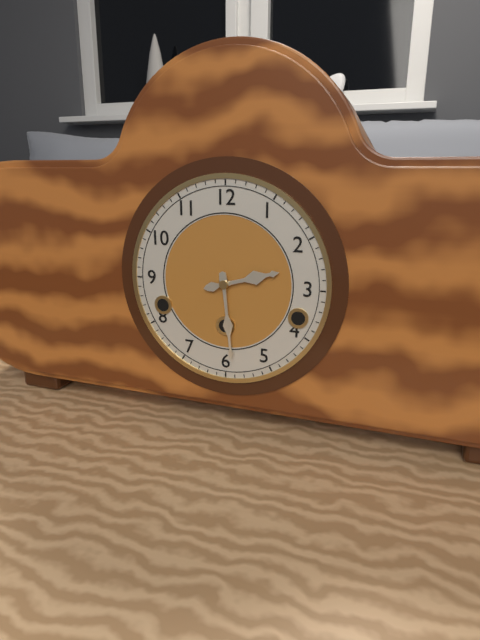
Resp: 2.29
